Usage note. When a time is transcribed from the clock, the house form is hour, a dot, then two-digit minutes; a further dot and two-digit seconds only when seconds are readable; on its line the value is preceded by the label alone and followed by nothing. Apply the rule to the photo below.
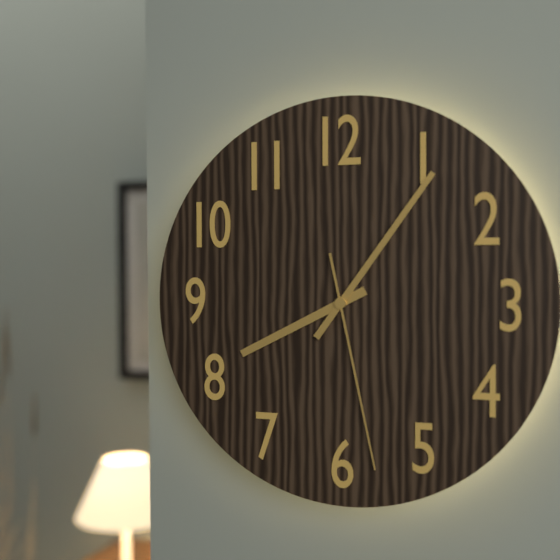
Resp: 8.06.28
